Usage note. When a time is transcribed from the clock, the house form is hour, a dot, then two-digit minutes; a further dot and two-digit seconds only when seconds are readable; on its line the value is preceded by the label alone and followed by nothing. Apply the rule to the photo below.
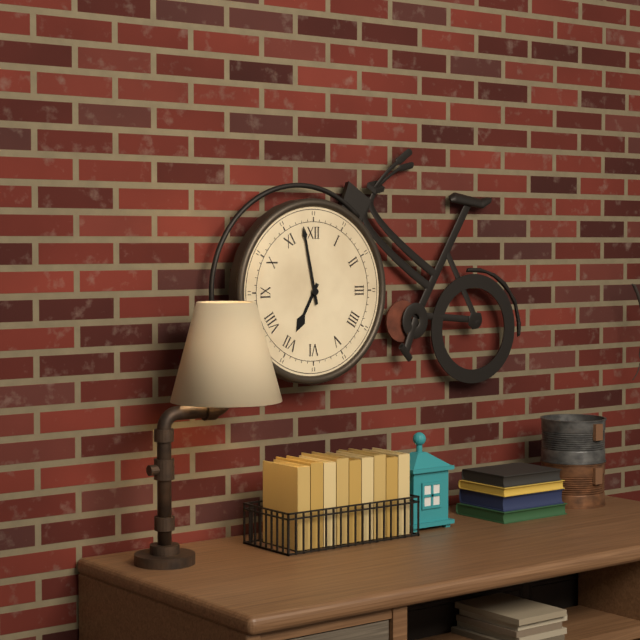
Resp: 6.58
